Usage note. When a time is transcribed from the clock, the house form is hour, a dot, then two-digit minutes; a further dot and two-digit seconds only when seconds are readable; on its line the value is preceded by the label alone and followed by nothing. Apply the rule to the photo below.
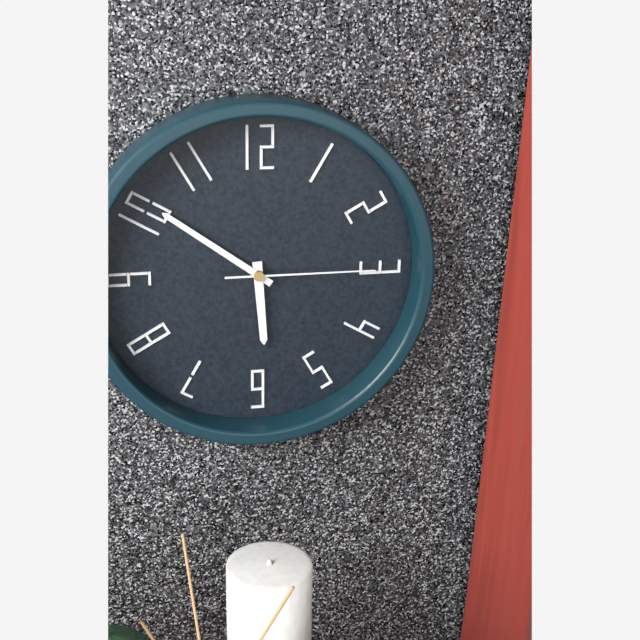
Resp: 5.51.15
